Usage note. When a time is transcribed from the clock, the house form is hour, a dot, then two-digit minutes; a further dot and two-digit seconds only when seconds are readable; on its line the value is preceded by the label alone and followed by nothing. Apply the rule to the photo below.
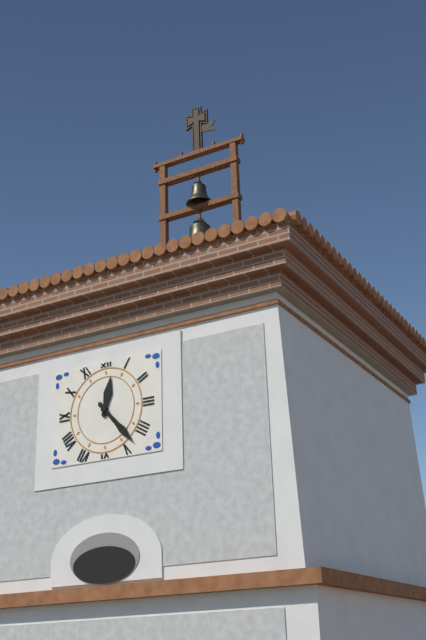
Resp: 12.23
